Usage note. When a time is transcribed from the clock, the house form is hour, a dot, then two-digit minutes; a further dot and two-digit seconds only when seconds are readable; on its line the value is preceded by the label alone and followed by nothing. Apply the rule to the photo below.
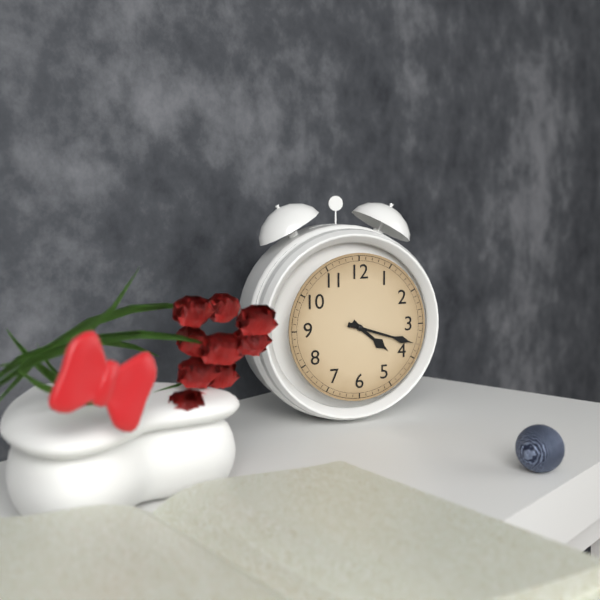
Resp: 4.18
